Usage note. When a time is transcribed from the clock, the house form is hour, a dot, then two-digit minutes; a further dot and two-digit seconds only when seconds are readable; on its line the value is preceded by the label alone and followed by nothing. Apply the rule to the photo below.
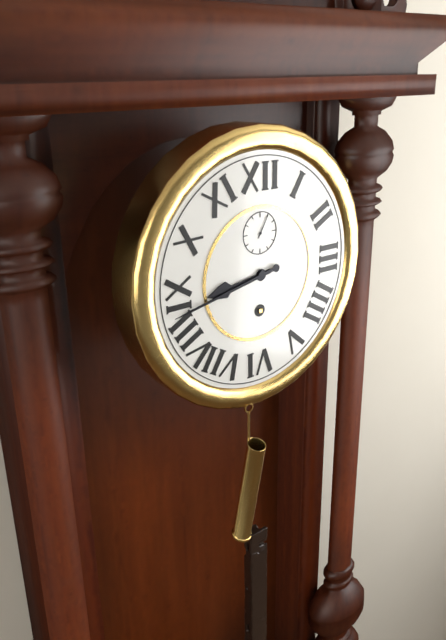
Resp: 8.43
